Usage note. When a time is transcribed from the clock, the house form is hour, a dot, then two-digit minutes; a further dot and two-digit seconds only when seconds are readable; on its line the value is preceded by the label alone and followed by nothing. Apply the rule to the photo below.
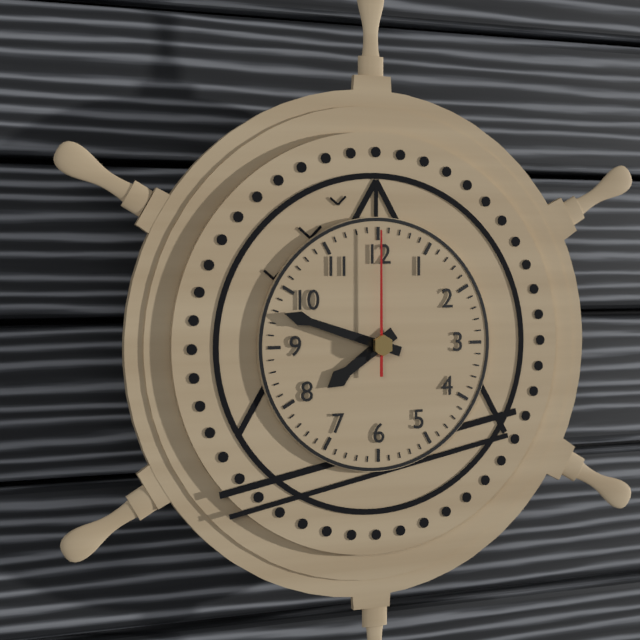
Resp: 7.48.00
